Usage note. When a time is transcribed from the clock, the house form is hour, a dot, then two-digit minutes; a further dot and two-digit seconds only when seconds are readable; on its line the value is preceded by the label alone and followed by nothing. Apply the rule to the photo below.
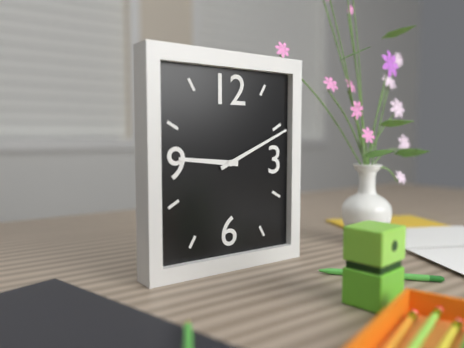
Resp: 9.11
